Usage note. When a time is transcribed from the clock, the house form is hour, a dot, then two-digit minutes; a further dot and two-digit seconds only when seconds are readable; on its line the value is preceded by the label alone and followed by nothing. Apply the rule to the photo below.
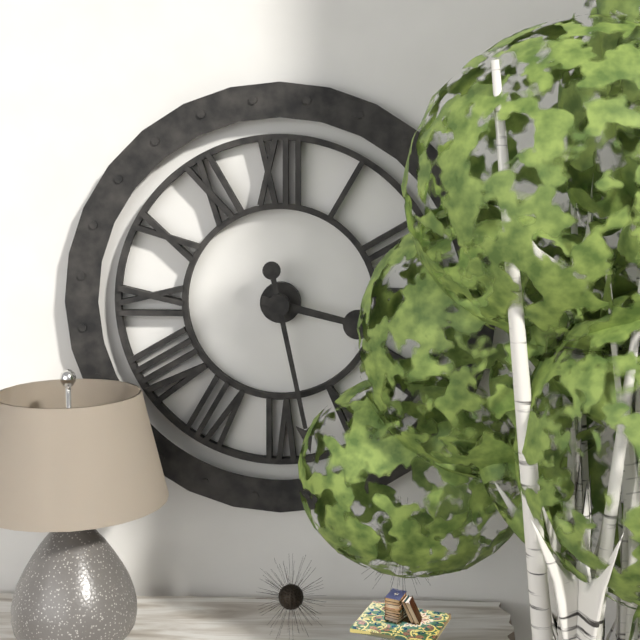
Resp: 3.28
